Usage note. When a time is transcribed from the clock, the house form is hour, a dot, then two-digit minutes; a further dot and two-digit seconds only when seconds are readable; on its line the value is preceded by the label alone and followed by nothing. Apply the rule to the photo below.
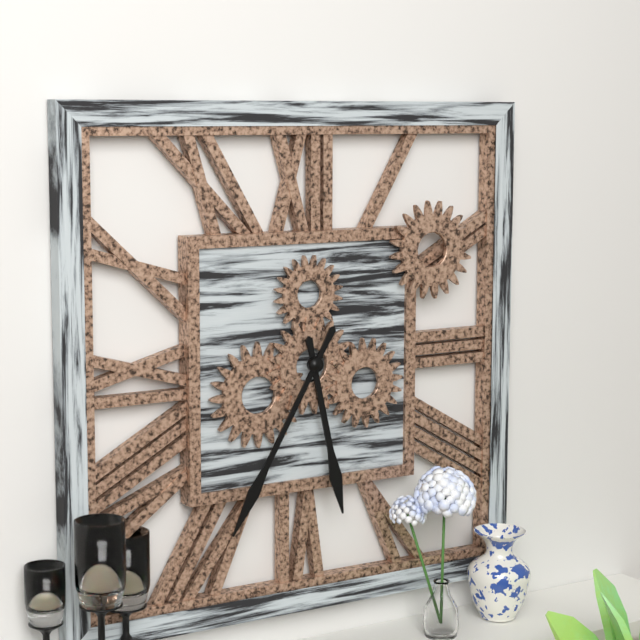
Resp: 5.35
